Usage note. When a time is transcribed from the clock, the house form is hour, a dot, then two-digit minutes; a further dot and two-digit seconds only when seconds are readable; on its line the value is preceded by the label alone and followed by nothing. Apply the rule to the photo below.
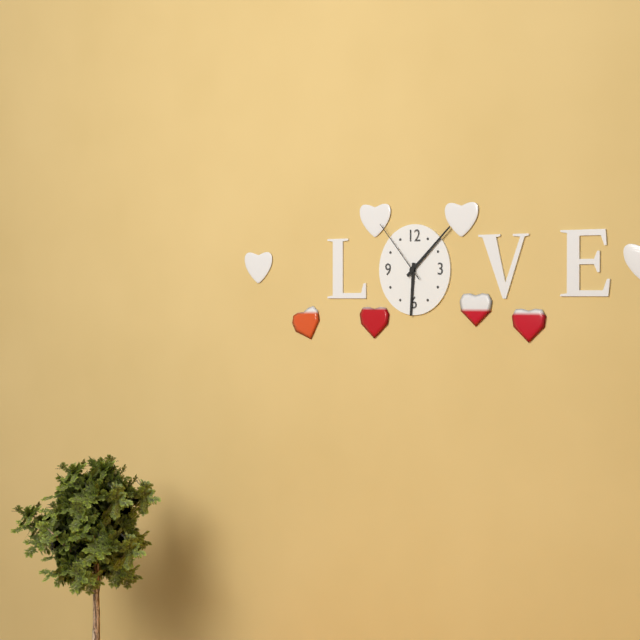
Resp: 6.08.53
